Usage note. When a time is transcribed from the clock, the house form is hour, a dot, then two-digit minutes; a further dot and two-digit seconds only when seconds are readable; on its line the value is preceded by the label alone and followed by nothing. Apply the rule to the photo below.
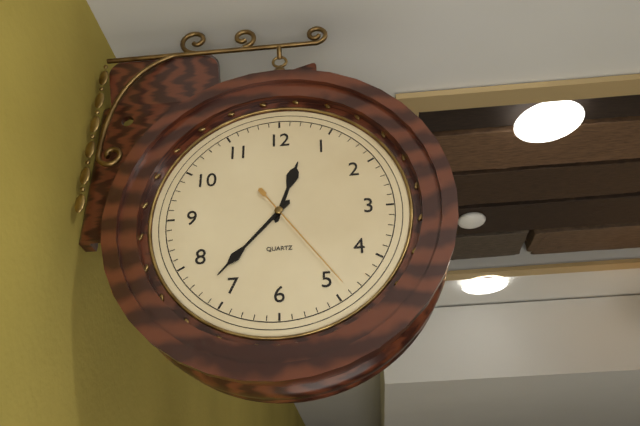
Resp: 12.37.24
